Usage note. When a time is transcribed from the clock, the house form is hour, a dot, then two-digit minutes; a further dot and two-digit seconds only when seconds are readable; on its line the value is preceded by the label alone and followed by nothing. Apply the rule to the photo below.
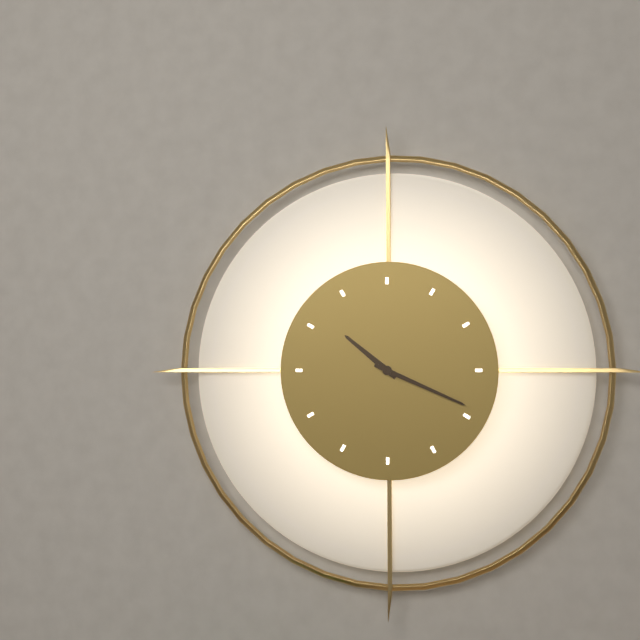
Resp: 10.19
